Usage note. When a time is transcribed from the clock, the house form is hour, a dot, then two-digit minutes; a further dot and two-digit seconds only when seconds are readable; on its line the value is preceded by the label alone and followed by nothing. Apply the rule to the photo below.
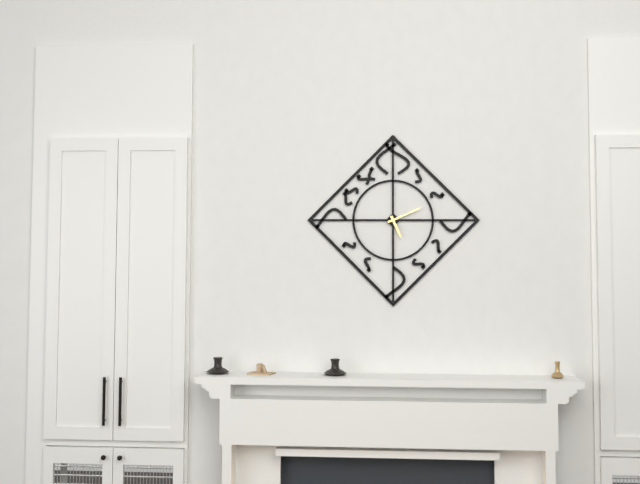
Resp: 5.11
